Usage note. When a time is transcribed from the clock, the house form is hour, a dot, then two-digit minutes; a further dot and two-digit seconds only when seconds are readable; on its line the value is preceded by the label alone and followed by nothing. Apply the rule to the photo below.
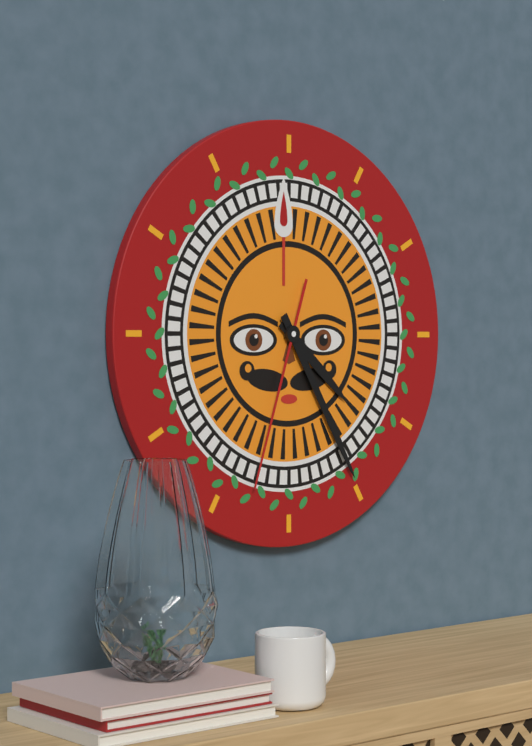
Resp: 4.25.33
